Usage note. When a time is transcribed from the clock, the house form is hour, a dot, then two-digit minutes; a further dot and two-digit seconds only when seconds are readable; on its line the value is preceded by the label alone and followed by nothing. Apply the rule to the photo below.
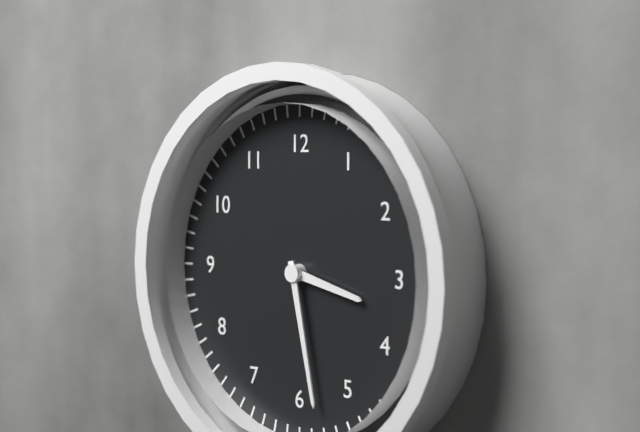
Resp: 3.28
